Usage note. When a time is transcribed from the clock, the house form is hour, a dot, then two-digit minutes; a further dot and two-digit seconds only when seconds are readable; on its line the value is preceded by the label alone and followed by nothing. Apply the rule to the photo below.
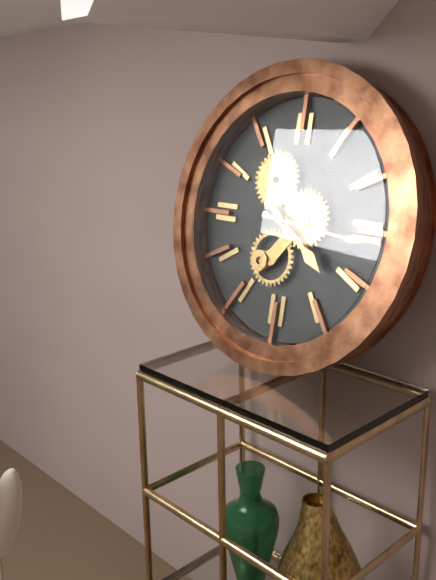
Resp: 4.16
